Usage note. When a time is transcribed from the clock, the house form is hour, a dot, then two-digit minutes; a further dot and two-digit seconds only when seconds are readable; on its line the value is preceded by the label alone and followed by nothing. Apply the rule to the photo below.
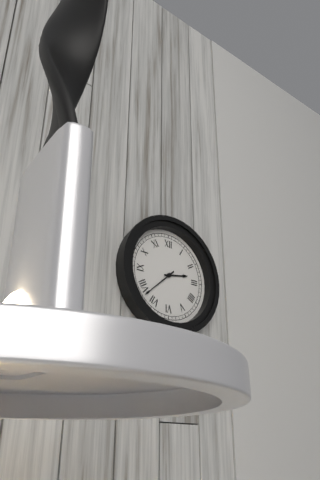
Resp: 2.38
